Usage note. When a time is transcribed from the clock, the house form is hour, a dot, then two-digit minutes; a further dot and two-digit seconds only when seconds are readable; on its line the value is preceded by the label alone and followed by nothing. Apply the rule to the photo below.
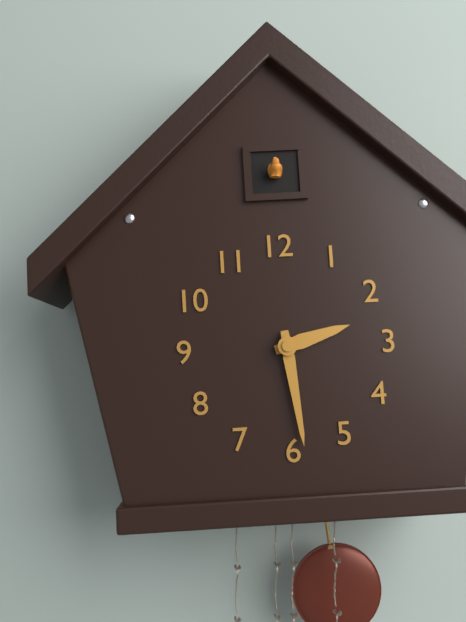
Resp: 2.29
